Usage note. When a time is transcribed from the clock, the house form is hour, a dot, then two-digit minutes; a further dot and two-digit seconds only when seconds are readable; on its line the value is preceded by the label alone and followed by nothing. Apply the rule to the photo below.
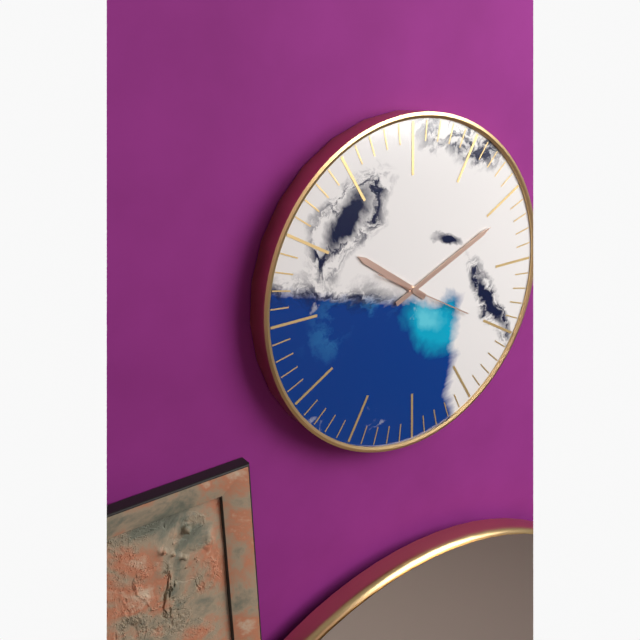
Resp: 10.11.20
